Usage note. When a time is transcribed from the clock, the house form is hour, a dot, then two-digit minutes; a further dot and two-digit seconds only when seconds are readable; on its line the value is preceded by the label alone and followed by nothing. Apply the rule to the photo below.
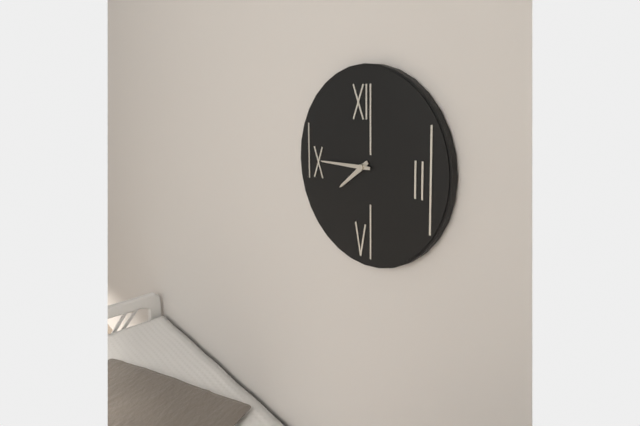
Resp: 7.45
